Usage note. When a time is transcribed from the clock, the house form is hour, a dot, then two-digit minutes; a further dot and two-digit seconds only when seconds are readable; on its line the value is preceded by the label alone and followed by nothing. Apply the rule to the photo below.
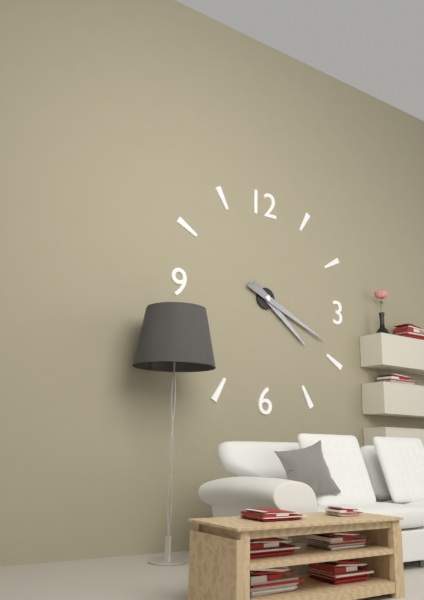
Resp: 4.19
